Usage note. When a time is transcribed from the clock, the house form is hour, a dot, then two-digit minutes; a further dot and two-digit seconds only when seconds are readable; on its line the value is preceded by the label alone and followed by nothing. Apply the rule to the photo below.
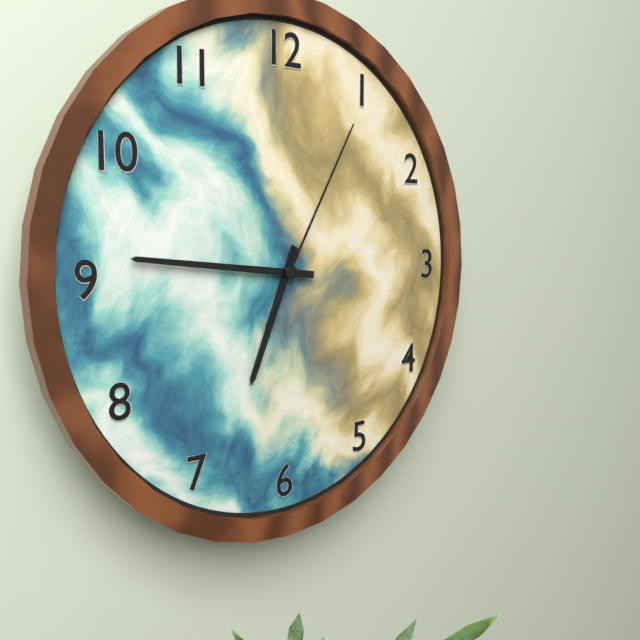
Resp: 6.46.05
